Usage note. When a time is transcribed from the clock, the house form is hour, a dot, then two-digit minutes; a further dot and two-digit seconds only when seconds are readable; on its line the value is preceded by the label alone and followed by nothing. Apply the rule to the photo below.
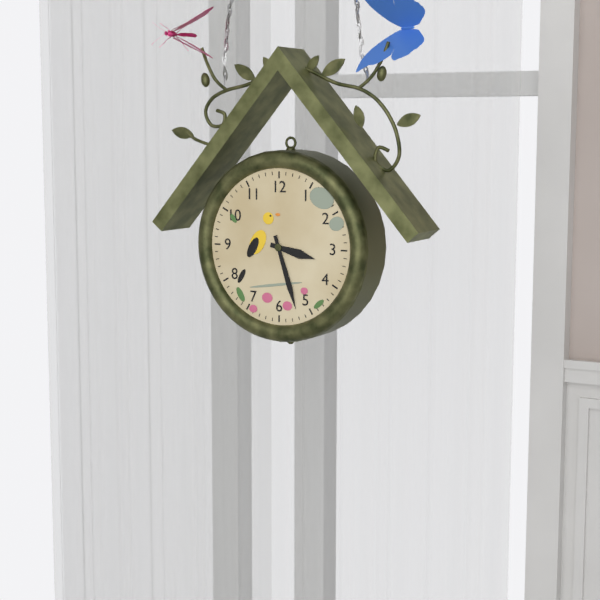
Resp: 3.27
